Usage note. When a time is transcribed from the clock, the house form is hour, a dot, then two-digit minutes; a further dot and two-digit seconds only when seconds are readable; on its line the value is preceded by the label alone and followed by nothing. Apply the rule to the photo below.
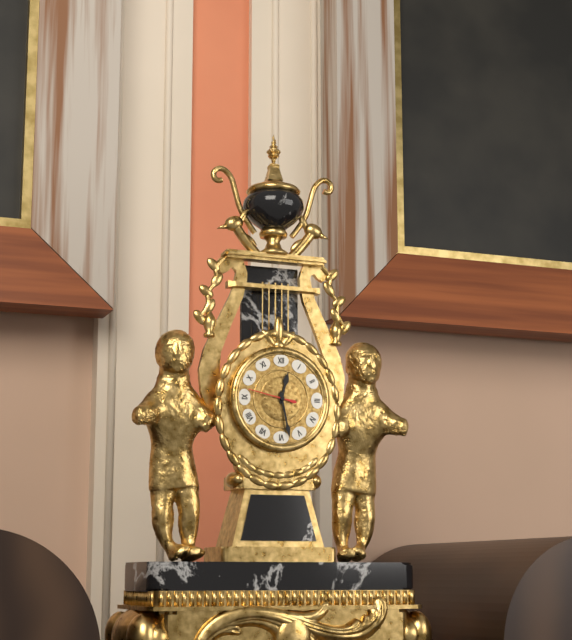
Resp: 12.28
